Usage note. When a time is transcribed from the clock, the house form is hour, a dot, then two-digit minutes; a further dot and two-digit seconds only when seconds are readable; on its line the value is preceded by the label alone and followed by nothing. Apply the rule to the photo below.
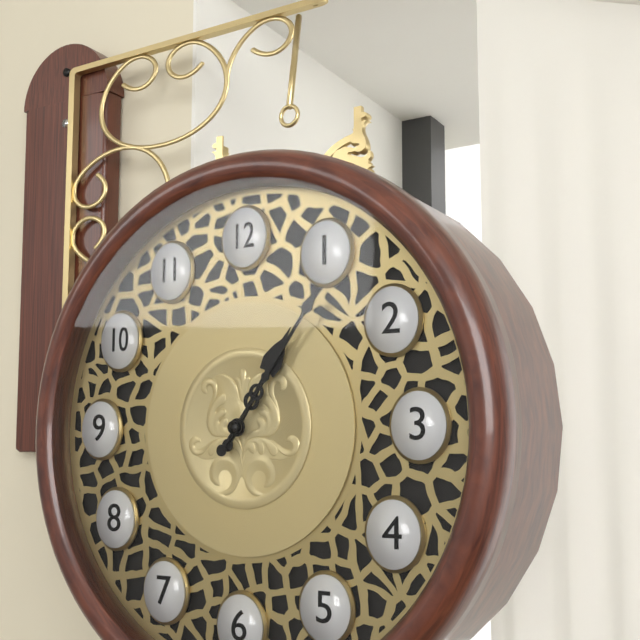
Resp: 1.06
